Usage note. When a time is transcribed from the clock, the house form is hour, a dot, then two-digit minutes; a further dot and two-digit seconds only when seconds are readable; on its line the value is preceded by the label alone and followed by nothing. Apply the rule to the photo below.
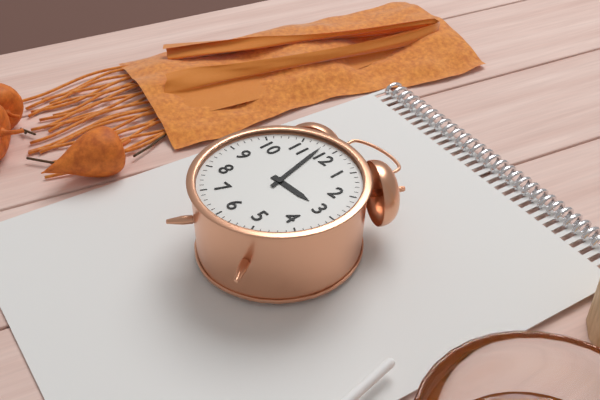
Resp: 2.58
